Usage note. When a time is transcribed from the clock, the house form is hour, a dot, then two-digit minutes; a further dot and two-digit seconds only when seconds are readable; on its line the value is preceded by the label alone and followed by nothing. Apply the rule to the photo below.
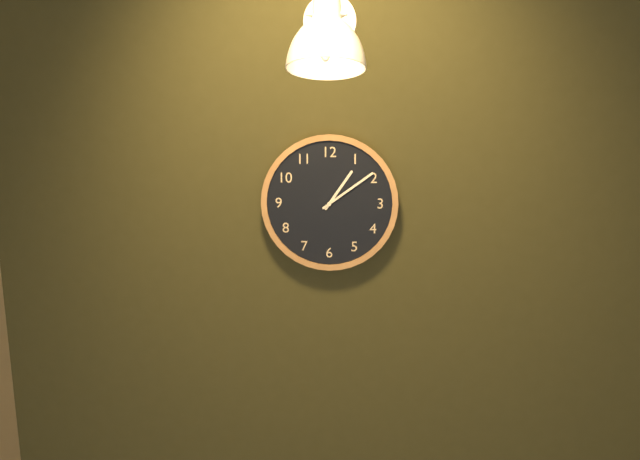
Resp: 1.09
